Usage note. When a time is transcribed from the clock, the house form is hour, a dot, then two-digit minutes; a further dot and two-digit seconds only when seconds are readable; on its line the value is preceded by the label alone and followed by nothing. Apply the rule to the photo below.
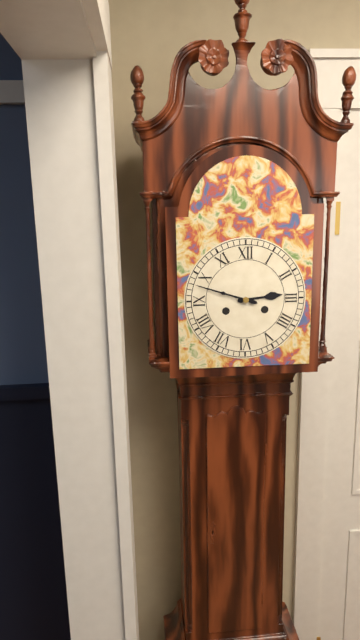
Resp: 2.48
